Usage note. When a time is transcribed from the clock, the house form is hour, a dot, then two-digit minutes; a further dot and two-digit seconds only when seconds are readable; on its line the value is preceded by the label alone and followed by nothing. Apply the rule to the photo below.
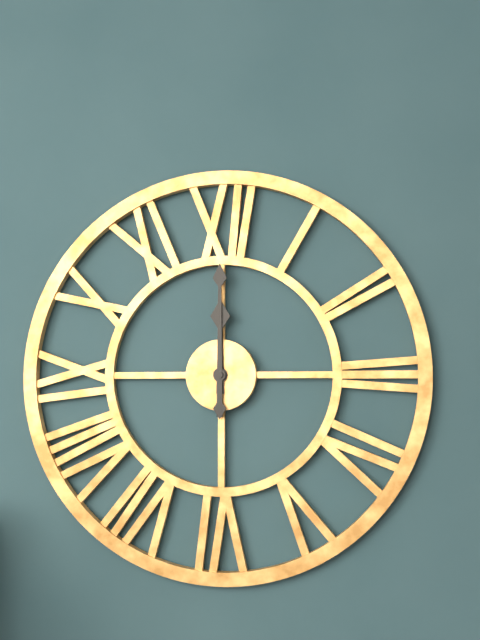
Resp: 12.00
